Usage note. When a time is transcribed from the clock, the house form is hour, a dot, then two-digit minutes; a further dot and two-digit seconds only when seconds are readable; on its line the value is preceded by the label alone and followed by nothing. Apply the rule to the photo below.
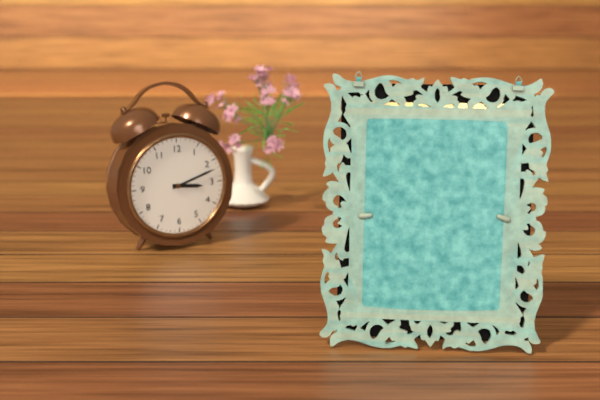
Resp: 3.12
